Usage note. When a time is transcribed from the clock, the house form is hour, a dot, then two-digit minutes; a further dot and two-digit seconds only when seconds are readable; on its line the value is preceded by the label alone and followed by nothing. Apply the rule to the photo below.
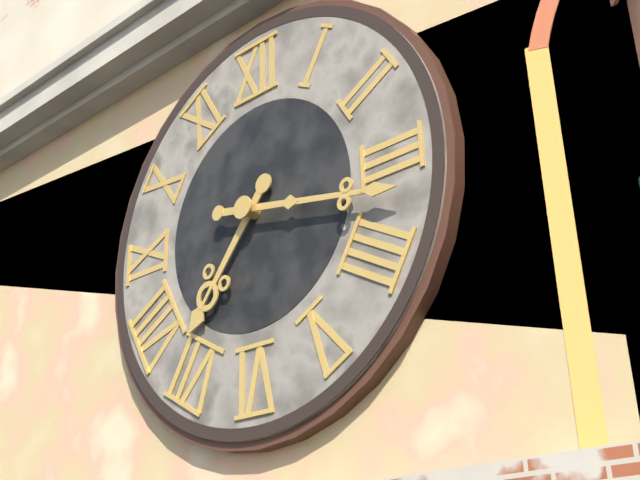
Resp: 7.17
